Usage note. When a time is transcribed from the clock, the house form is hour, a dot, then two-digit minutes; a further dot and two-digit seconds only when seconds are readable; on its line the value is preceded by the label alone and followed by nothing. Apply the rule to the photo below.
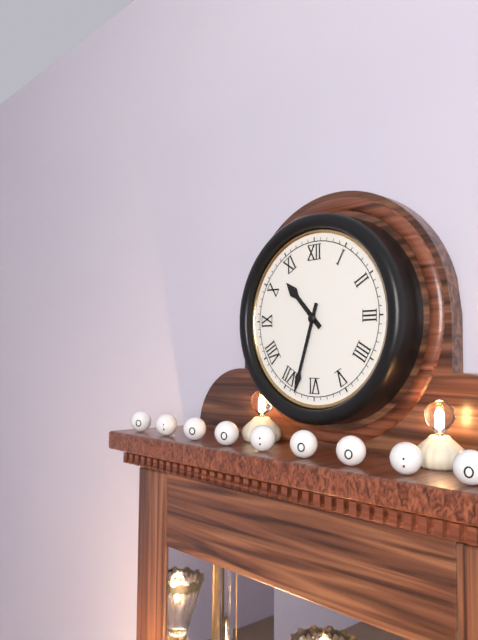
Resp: 10.33
